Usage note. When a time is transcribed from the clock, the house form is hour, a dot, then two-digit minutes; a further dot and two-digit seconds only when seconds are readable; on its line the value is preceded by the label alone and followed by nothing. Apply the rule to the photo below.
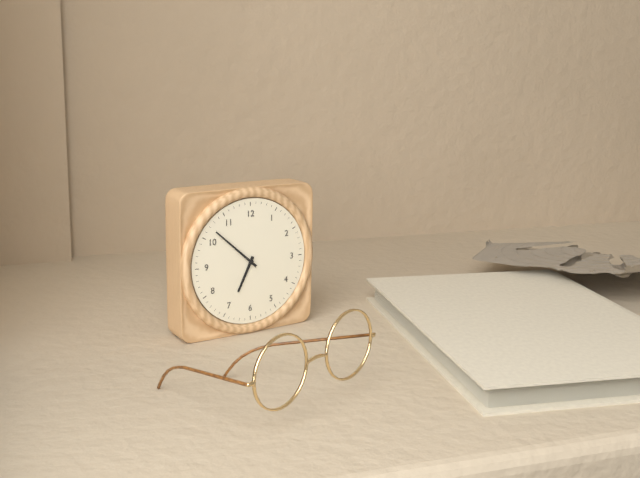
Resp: 6.52
